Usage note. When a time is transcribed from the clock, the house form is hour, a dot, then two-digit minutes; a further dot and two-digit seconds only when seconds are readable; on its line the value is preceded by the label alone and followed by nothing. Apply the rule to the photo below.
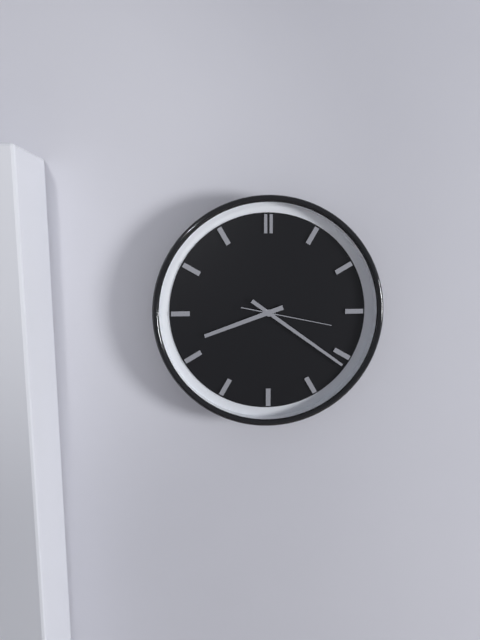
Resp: 8.21.17
